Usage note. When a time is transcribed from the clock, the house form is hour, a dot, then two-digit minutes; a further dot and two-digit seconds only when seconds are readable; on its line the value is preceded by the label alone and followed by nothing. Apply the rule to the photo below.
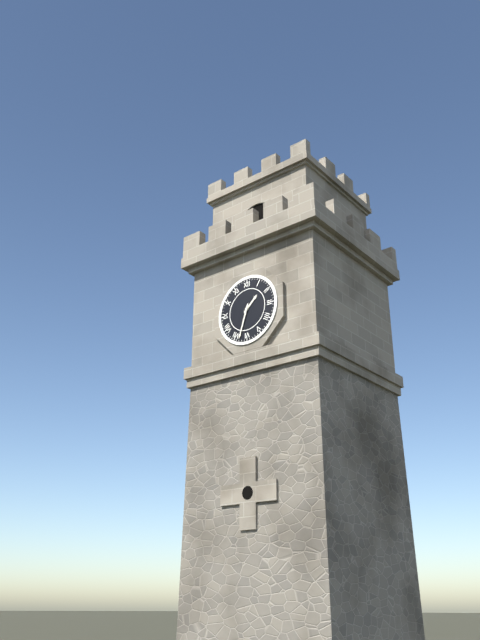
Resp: 1.33
